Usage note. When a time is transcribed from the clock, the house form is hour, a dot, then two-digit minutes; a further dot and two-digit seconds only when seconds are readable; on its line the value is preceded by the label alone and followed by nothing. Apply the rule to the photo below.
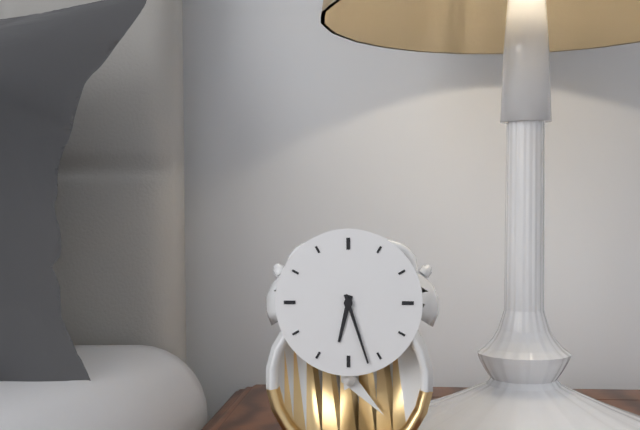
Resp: 6.27
